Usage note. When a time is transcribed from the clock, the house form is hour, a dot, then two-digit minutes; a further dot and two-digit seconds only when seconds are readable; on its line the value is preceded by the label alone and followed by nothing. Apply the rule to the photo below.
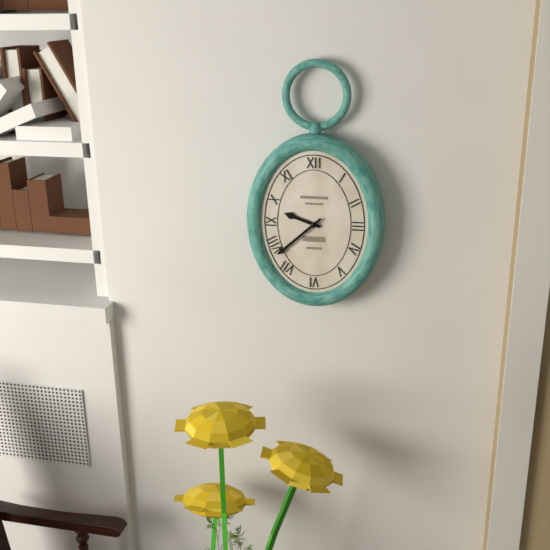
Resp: 9.38
